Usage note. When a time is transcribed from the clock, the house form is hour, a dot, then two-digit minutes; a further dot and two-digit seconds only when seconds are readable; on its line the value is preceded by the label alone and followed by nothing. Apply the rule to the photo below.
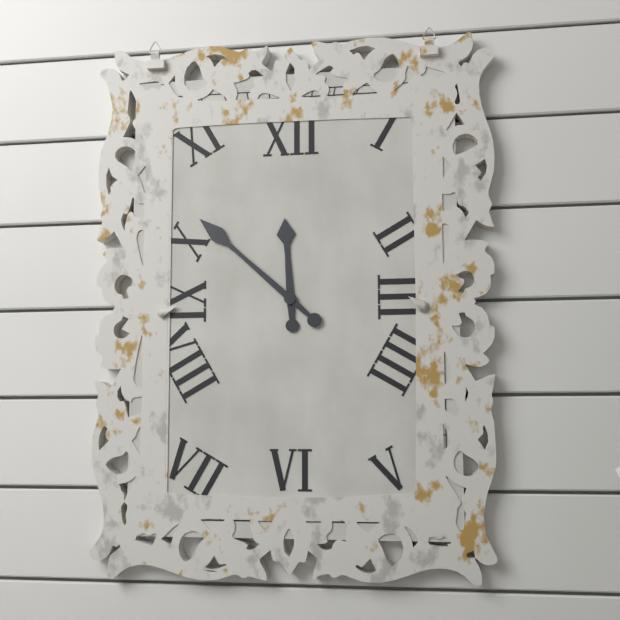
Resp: 11.52
